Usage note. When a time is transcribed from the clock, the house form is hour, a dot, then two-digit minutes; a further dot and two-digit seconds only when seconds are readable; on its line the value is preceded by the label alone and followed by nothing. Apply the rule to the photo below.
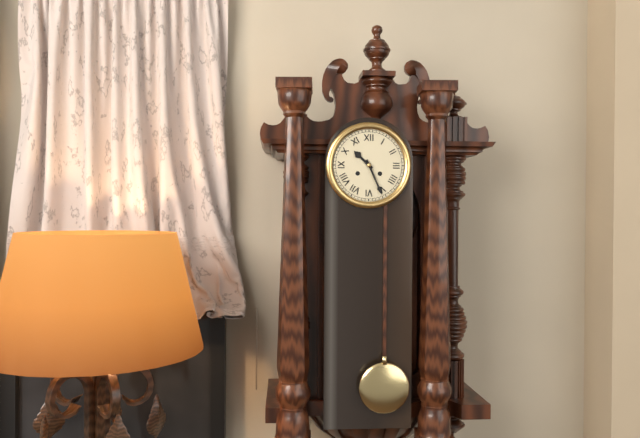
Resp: 10.26
